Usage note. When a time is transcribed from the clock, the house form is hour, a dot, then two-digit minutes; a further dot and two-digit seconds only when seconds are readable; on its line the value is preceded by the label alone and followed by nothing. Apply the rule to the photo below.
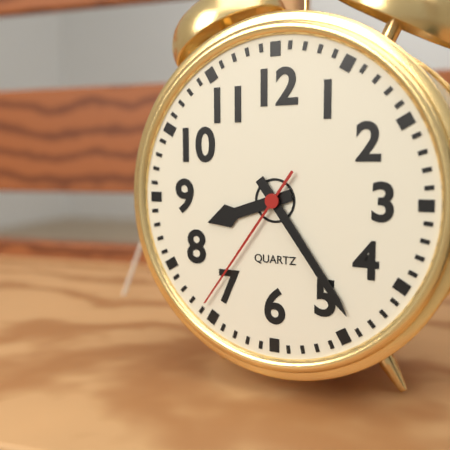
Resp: 8.24.36
